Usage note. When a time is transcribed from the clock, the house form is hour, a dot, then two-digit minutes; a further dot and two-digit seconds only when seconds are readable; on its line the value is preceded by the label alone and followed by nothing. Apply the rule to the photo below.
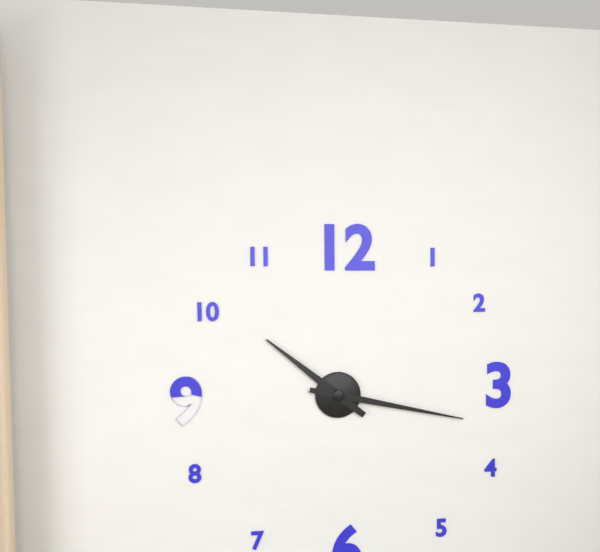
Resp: 10.17
